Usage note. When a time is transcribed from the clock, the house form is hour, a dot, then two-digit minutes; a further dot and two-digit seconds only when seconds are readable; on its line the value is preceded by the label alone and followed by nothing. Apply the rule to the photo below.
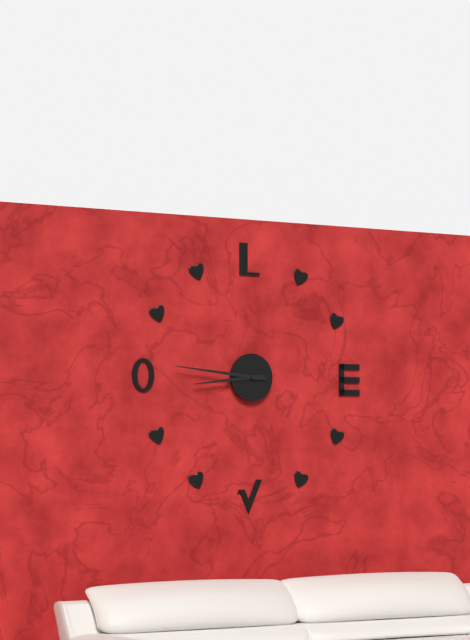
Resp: 8.46
